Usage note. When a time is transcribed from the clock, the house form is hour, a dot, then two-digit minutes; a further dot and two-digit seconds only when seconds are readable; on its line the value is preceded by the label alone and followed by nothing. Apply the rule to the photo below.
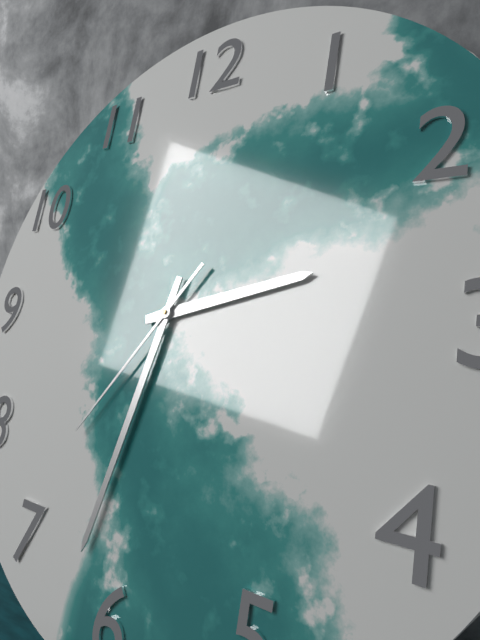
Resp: 2.32.36
